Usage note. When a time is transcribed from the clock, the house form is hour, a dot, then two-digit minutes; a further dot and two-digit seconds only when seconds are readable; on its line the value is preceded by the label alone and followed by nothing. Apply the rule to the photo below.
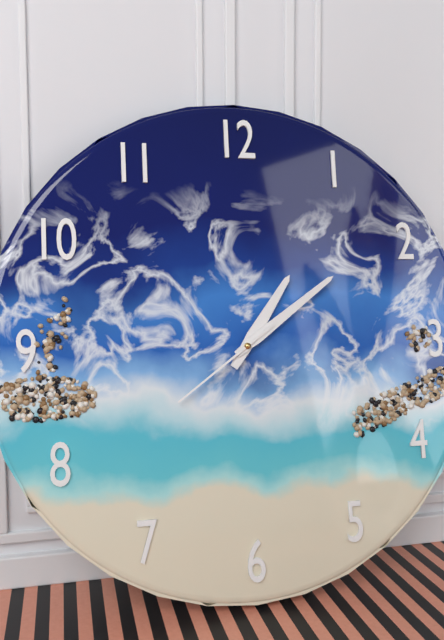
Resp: 1.09.39
